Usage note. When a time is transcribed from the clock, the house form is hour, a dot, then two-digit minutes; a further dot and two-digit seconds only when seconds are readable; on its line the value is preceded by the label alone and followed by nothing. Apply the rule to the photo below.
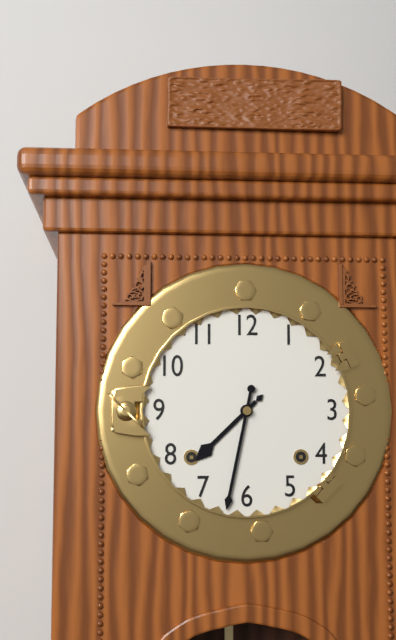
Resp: 7.32
